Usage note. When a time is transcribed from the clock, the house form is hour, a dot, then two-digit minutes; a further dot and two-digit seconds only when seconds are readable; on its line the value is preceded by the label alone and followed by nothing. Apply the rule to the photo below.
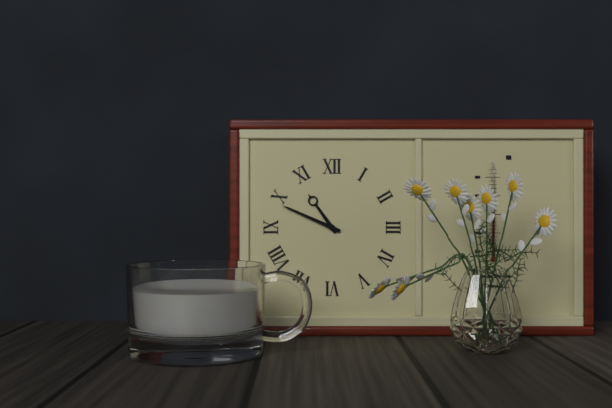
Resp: 10.49
